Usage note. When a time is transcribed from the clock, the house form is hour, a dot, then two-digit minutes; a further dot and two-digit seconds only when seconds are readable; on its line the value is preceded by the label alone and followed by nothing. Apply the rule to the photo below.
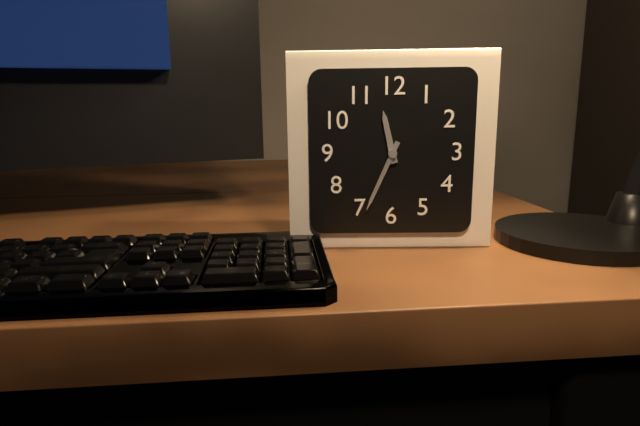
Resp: 11.34
